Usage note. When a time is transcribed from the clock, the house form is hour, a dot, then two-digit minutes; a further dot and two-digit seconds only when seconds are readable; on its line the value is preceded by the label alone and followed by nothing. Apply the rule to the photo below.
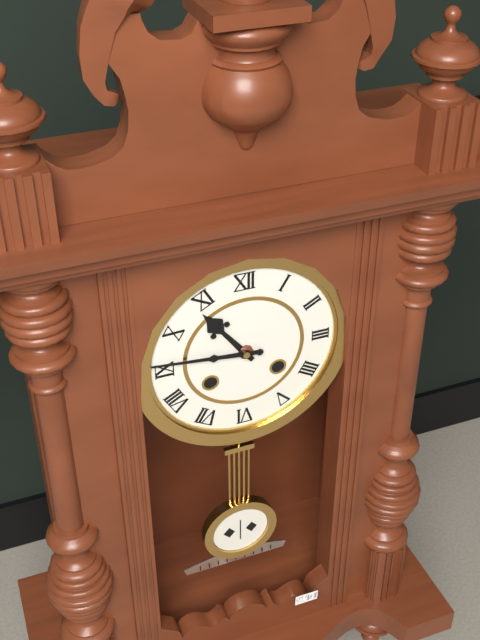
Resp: 10.46
